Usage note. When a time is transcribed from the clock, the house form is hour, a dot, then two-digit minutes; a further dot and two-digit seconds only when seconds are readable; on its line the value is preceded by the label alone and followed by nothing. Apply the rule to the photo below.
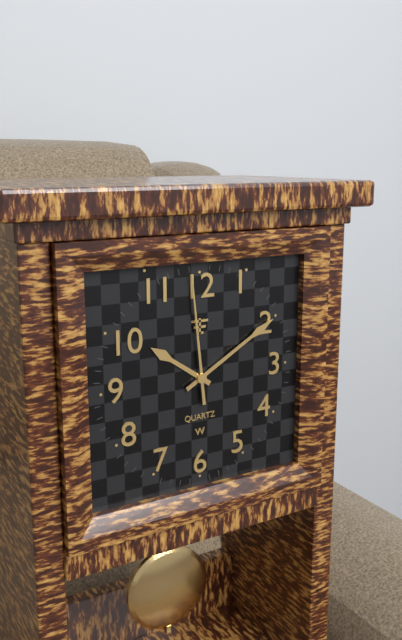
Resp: 10.10.59
